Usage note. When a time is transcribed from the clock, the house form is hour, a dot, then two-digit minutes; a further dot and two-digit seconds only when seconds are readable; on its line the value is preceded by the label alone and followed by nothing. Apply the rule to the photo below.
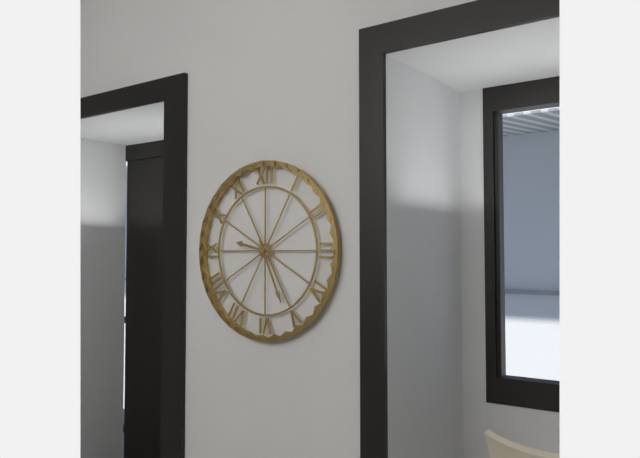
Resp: 9.26
